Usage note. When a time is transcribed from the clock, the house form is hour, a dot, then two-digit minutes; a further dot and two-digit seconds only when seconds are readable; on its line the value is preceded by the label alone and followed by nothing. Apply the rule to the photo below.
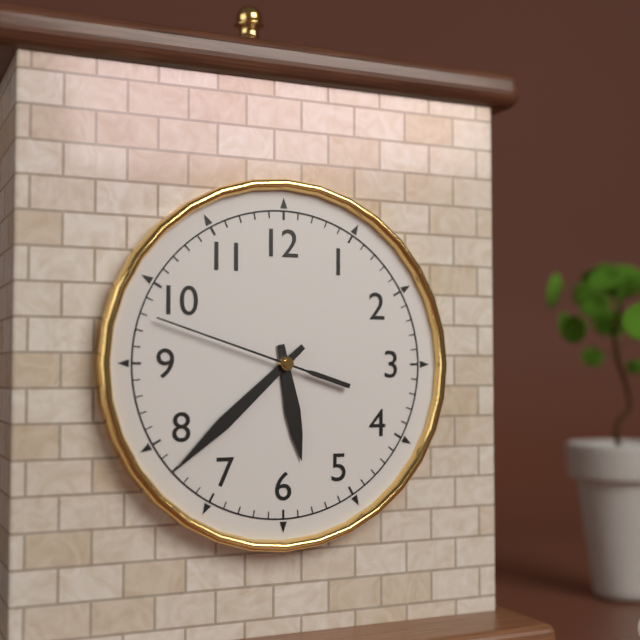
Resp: 5.38.48
